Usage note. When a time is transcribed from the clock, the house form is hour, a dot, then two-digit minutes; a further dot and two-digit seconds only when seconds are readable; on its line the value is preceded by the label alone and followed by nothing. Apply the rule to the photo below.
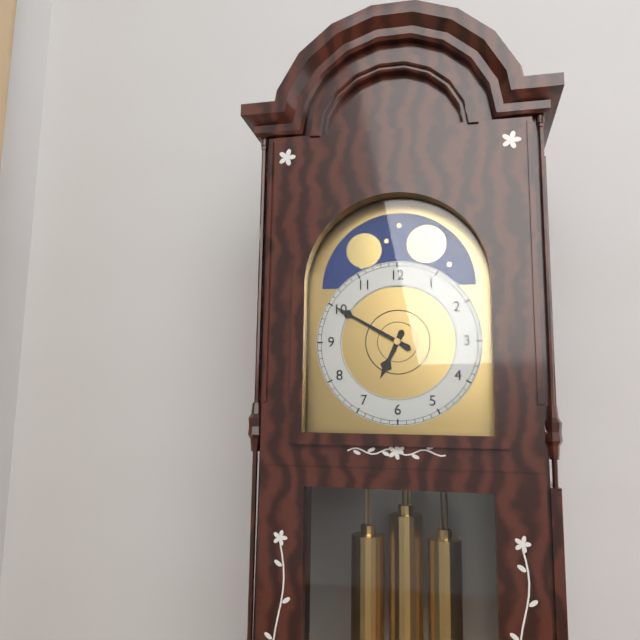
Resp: 6.50
